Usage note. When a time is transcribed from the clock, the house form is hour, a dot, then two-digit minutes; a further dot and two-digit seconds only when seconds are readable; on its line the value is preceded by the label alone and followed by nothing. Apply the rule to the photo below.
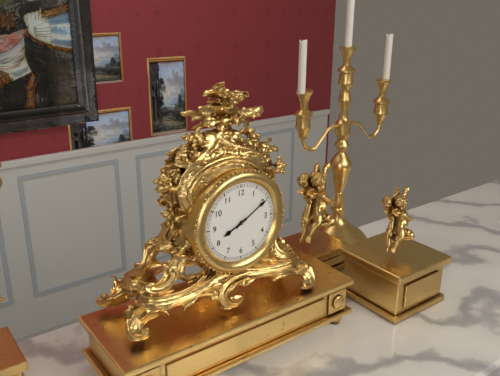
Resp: 8.10
